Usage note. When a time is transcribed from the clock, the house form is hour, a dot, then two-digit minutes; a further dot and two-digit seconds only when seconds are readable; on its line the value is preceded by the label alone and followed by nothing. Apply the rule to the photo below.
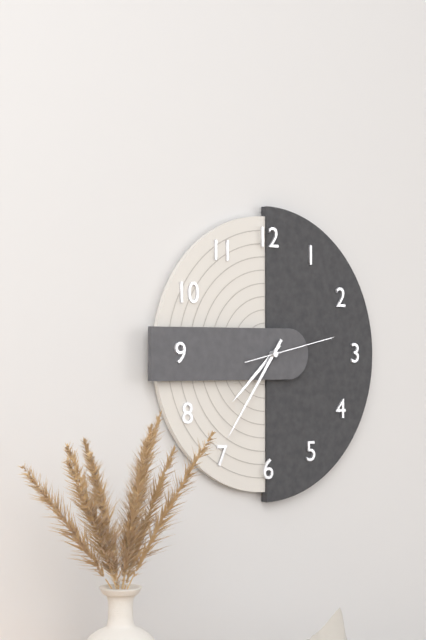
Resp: 7.36.13
